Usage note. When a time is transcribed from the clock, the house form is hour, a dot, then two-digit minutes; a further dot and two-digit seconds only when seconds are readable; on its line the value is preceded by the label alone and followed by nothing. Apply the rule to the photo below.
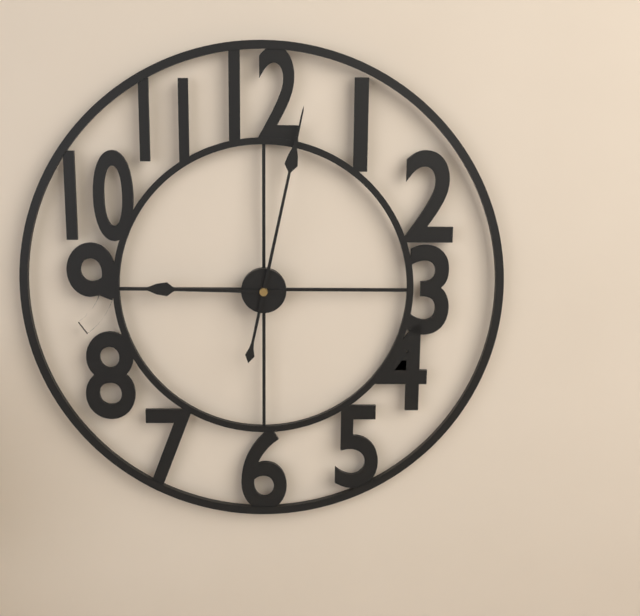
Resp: 9.02
